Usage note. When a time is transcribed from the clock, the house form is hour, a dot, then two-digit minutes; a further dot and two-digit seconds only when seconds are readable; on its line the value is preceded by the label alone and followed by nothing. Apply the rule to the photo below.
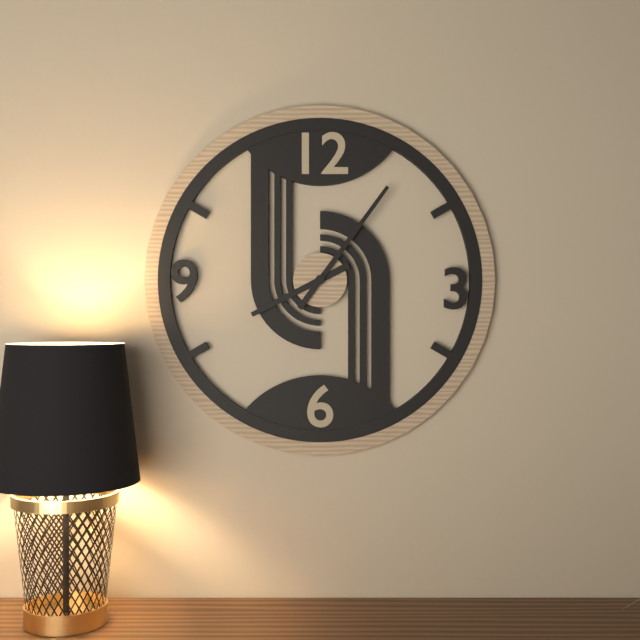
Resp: 8.06
